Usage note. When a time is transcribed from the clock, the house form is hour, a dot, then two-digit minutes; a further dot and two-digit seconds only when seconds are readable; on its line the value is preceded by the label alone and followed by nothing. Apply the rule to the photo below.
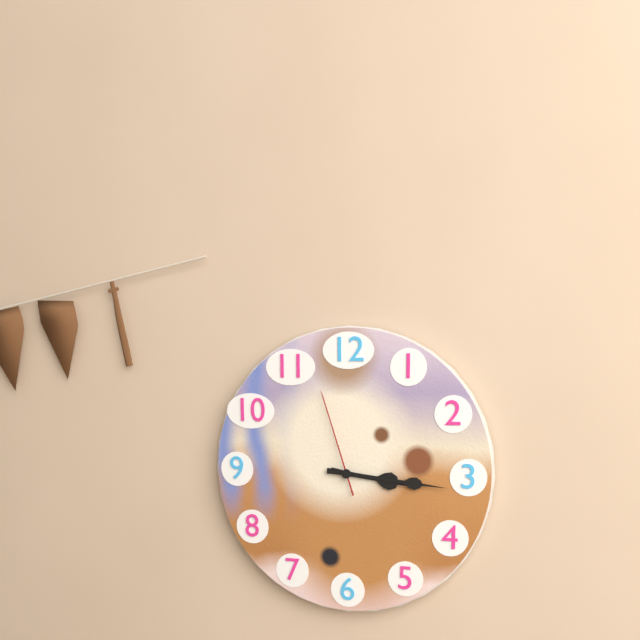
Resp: 3.16.57
